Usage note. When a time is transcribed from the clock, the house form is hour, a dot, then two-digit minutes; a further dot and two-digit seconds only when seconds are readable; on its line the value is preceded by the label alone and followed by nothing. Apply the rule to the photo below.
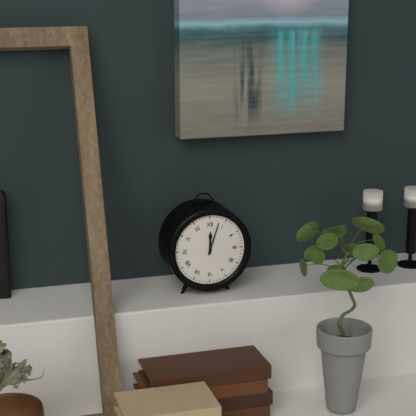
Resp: 12.03
